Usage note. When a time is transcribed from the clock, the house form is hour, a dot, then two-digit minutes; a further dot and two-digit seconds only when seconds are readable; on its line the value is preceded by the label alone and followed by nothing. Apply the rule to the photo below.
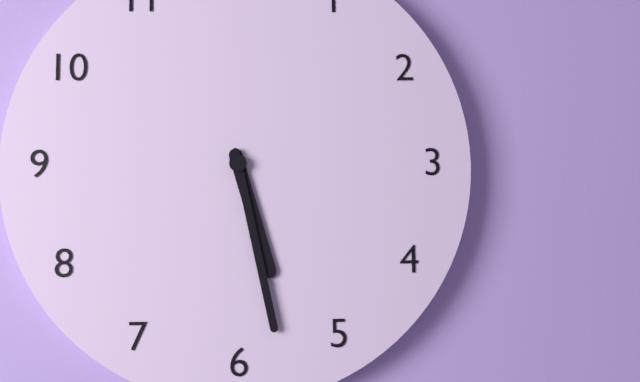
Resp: 5.28
